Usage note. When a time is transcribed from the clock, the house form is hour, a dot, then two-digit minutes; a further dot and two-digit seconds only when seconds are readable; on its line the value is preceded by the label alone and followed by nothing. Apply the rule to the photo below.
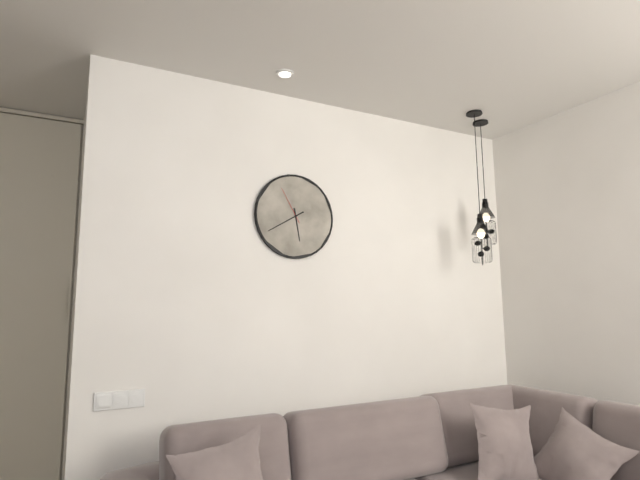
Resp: 5.40
